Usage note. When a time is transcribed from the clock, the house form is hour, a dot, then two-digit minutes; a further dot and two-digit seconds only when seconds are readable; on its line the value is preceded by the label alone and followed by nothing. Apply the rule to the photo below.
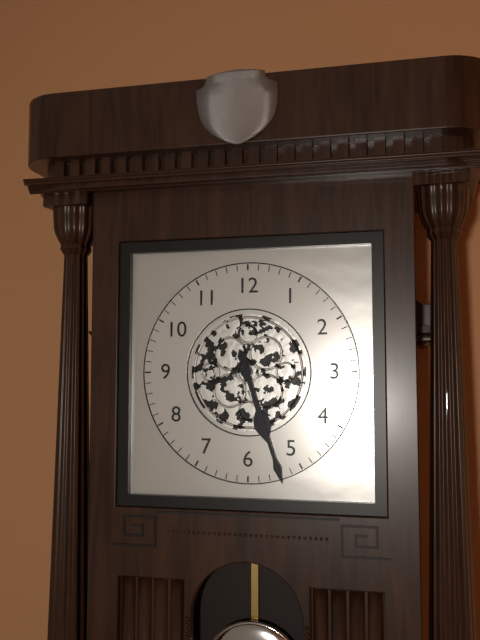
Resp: 5.27
